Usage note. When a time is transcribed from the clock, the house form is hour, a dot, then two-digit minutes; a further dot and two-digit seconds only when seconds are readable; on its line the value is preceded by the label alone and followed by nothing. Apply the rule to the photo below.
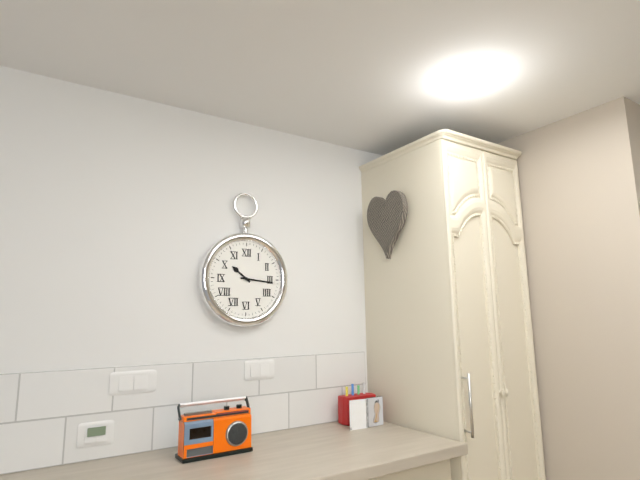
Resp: 10.16
